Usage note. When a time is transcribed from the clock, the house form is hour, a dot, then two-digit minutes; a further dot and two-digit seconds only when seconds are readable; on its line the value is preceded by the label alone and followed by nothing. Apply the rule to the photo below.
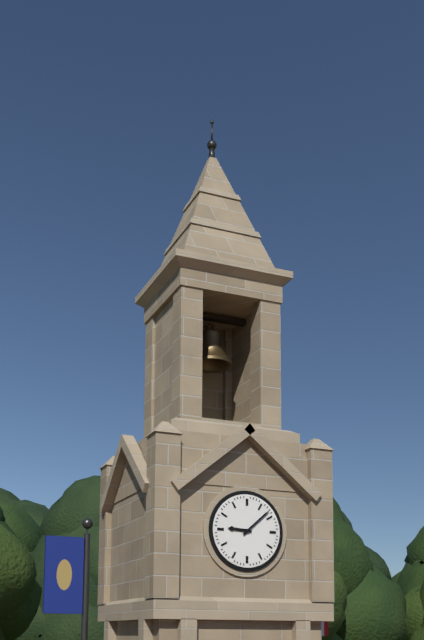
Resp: 9.08
